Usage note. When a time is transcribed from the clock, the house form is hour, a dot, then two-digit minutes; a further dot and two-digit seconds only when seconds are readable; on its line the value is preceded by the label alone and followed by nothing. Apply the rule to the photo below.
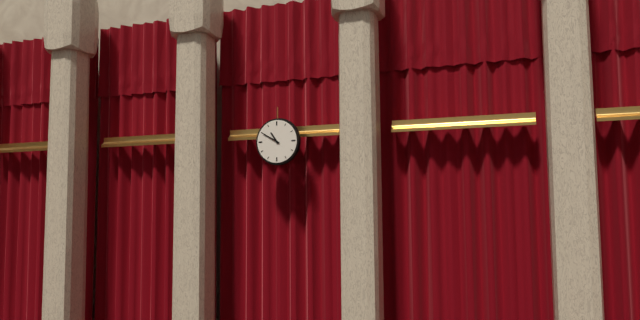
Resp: 10.50
